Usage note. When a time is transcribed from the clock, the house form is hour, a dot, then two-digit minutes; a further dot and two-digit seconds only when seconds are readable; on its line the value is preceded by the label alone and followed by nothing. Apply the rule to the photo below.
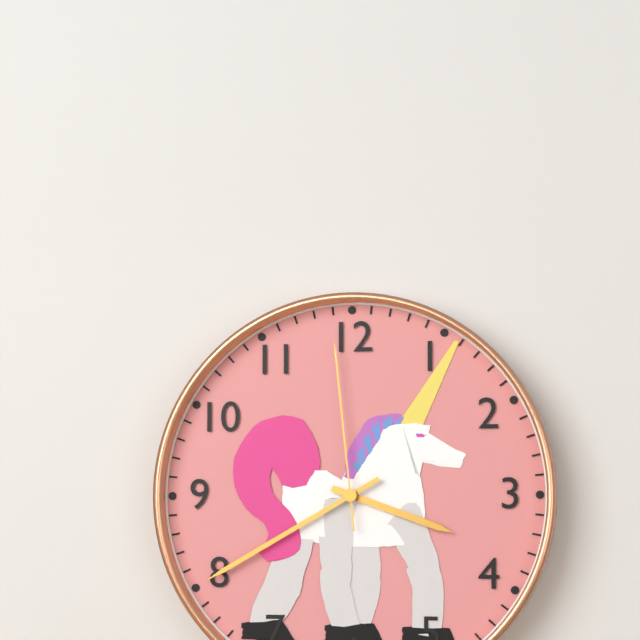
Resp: 3.40.59
